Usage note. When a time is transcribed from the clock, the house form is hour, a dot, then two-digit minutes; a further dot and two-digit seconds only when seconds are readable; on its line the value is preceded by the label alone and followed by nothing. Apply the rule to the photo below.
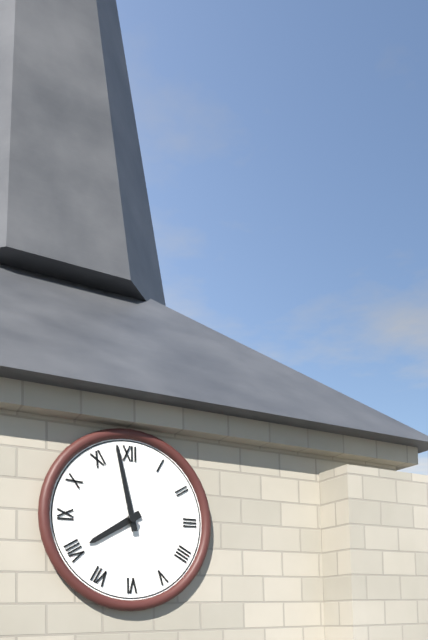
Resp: 7.58
